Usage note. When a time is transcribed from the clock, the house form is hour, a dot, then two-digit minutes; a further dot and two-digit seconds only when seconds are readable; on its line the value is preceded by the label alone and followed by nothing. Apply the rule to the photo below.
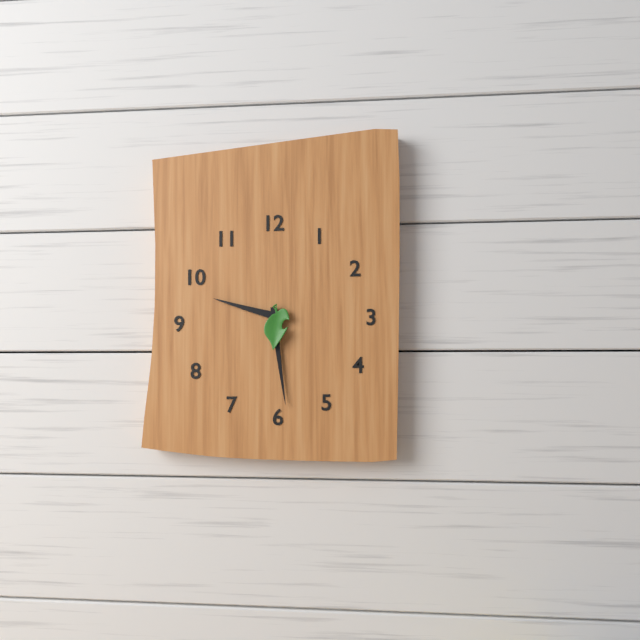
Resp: 9.29
